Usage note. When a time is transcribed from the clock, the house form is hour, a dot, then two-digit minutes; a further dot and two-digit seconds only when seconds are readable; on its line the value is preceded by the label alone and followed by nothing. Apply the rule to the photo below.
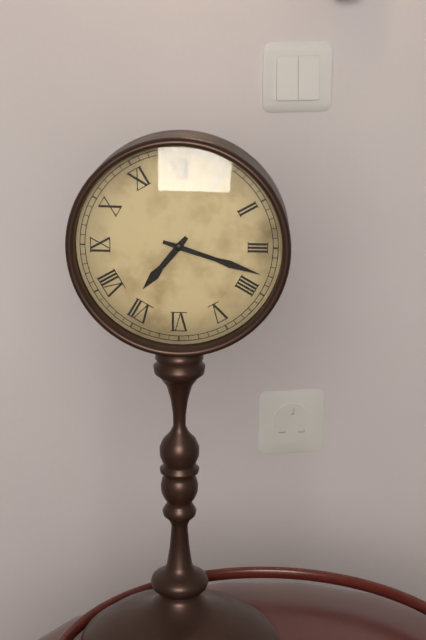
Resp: 7.18
